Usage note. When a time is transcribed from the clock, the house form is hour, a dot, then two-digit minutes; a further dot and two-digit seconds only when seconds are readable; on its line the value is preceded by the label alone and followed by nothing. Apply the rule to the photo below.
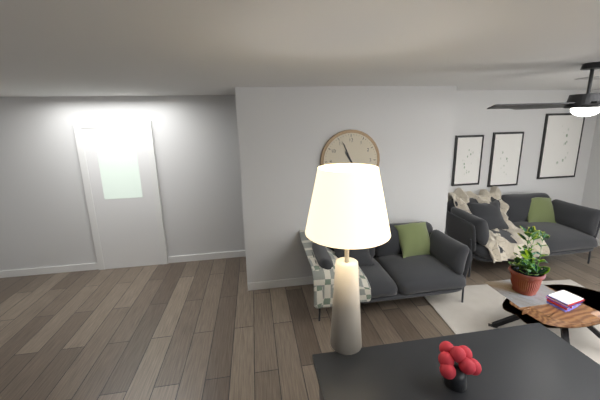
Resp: 10.56
